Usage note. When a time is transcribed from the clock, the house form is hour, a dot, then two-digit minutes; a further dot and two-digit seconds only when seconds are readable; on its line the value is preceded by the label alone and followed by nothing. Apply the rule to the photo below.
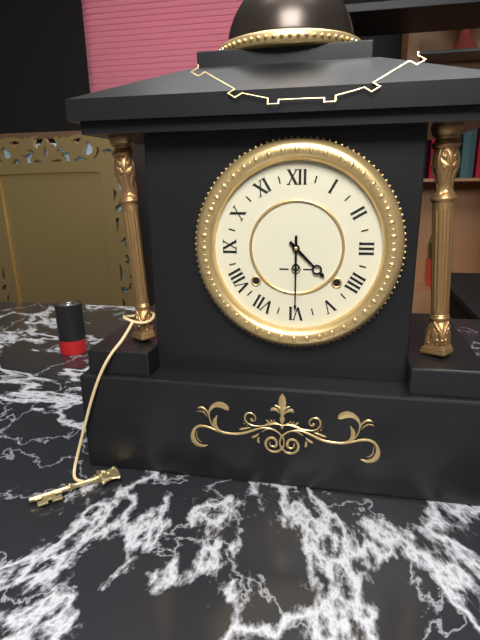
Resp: 4.30
